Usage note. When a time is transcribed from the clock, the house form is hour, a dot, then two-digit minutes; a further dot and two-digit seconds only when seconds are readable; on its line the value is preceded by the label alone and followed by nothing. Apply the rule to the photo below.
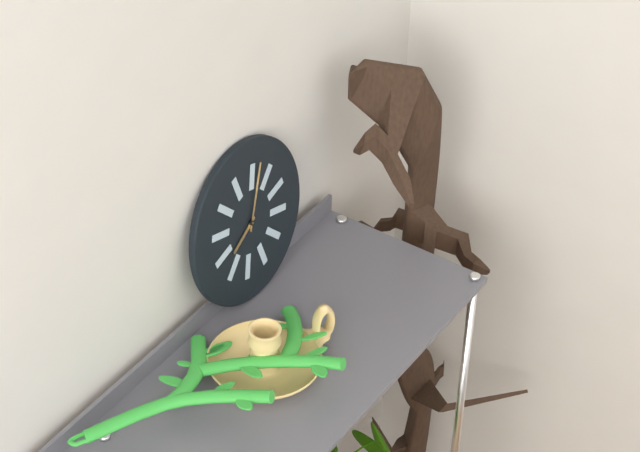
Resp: 8.04
